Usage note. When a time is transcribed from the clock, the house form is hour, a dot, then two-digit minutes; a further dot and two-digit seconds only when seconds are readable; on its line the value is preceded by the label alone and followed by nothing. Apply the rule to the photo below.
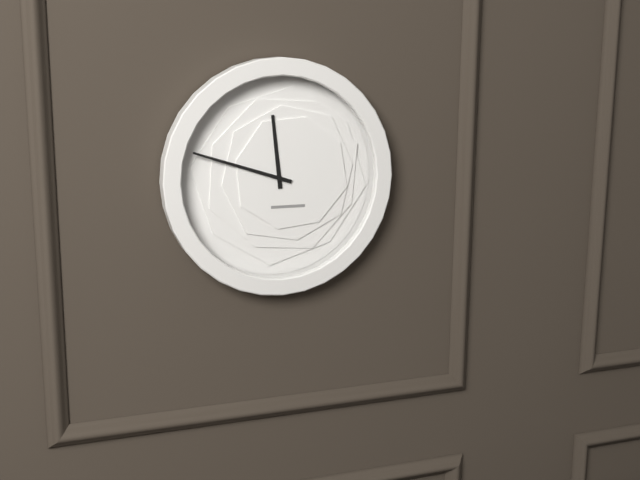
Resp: 11.48
